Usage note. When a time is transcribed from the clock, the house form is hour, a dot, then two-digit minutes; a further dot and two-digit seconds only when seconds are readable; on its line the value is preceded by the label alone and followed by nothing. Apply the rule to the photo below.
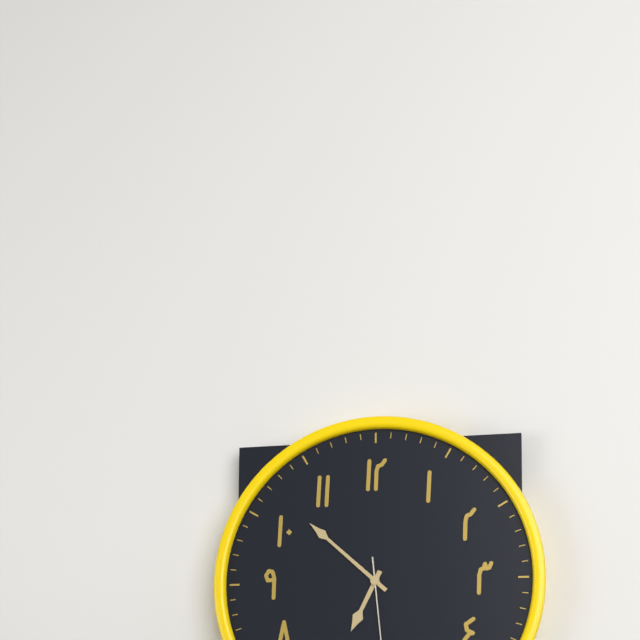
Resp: 6.52
